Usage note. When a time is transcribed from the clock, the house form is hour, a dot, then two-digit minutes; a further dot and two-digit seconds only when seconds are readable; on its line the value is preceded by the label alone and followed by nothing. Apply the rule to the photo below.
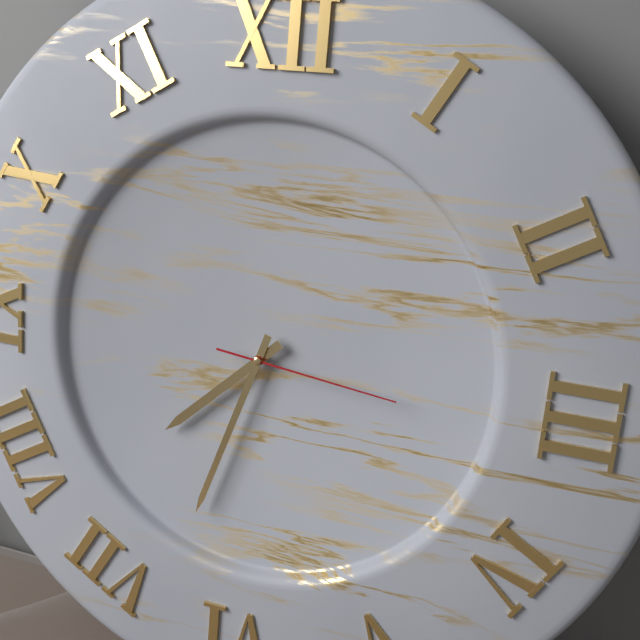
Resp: 7.33.16
